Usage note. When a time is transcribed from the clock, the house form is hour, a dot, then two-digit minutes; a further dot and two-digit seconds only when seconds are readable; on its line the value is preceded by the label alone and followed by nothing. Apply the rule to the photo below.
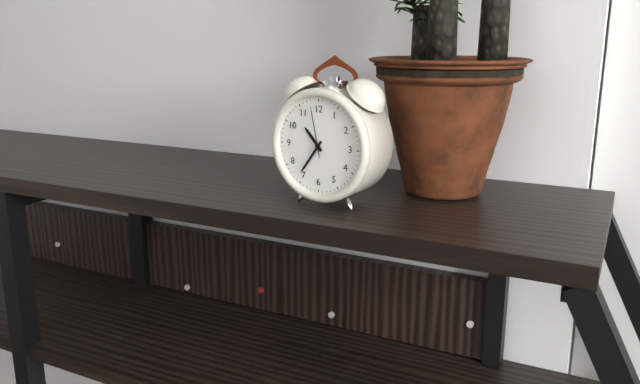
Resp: 10.36.58
